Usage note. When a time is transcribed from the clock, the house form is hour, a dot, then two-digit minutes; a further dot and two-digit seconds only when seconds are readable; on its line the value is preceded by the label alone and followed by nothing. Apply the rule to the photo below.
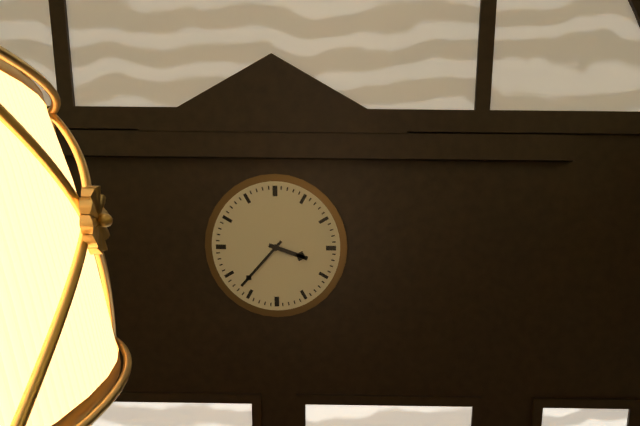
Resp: 3.37
